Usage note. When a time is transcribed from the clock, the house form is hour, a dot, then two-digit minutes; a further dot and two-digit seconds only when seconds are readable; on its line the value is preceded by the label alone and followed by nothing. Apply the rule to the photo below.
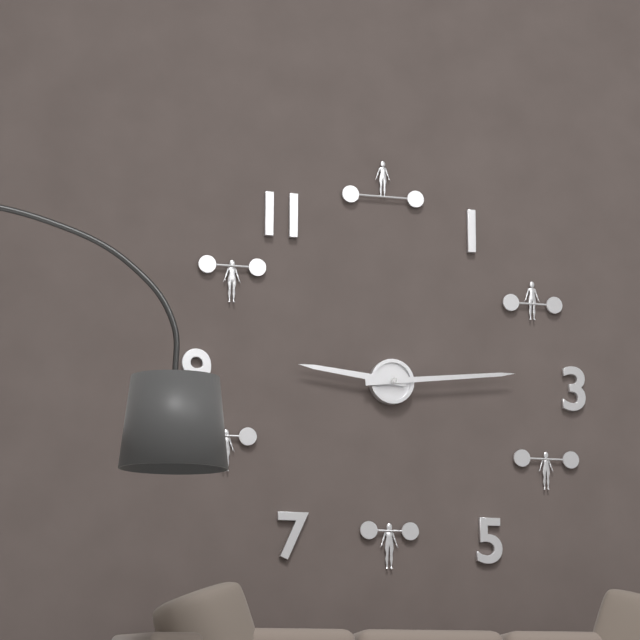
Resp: 9.14
